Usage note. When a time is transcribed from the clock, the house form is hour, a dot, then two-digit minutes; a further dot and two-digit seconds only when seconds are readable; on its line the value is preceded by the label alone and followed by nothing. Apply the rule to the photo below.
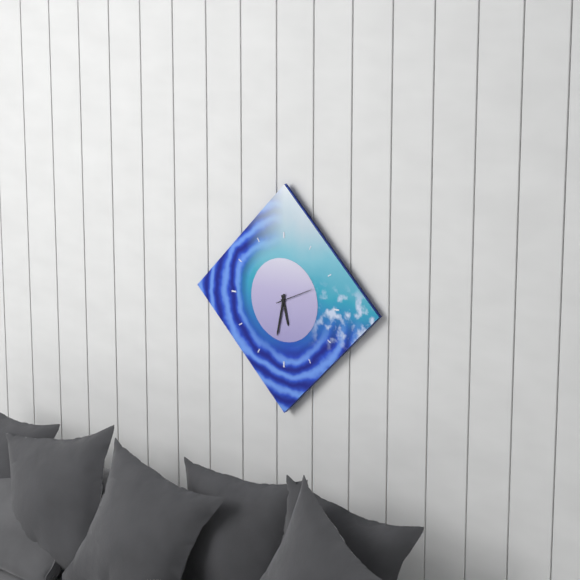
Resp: 5.32
